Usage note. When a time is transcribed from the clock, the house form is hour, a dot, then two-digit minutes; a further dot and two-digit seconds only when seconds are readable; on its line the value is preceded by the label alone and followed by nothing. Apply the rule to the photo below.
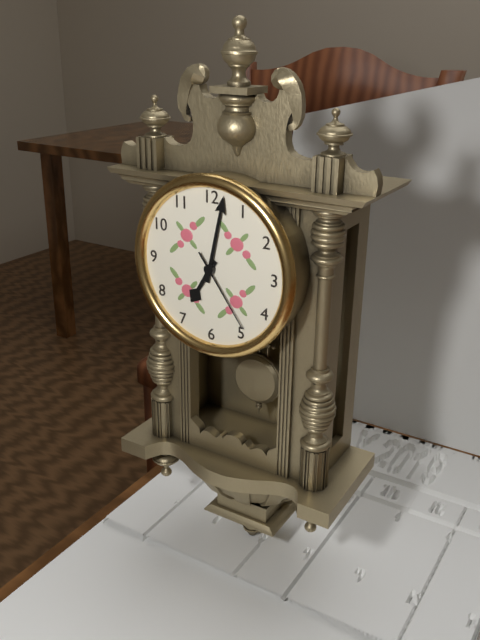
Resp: 7.02.24
